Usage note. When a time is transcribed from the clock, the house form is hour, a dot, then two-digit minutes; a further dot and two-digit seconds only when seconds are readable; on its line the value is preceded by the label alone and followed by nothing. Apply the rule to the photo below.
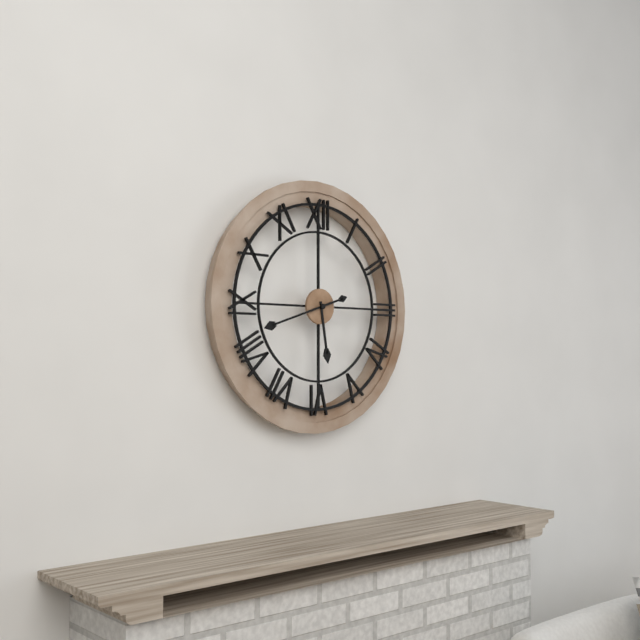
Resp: 5.42
